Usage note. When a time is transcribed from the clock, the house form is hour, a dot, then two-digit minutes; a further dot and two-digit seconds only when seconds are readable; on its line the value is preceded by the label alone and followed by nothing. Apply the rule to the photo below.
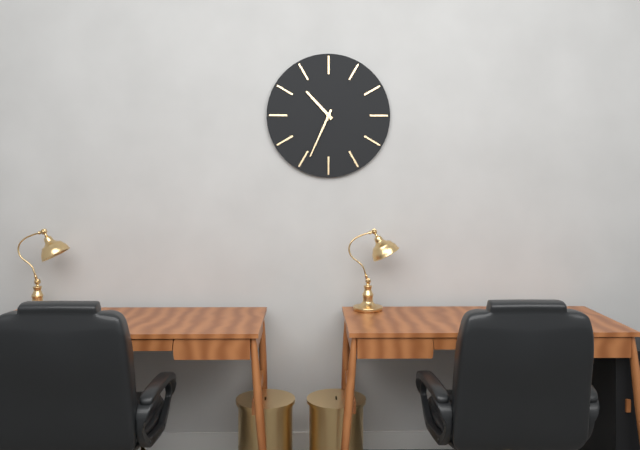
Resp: 10.34
